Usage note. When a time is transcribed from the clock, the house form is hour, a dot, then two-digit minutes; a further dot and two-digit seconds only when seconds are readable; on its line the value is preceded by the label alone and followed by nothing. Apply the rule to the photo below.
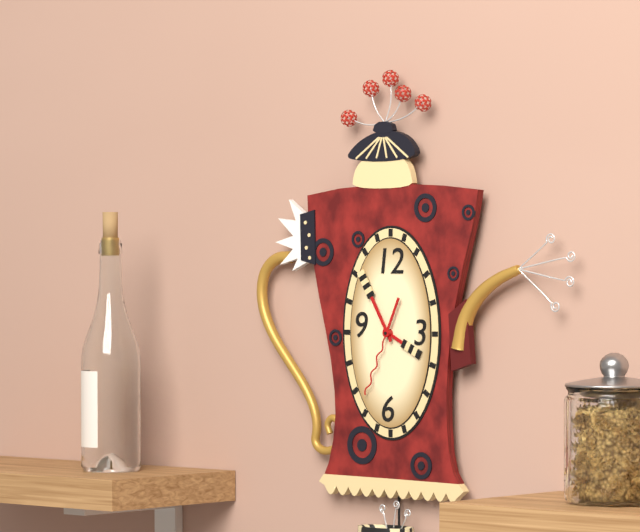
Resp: 3.55.34
